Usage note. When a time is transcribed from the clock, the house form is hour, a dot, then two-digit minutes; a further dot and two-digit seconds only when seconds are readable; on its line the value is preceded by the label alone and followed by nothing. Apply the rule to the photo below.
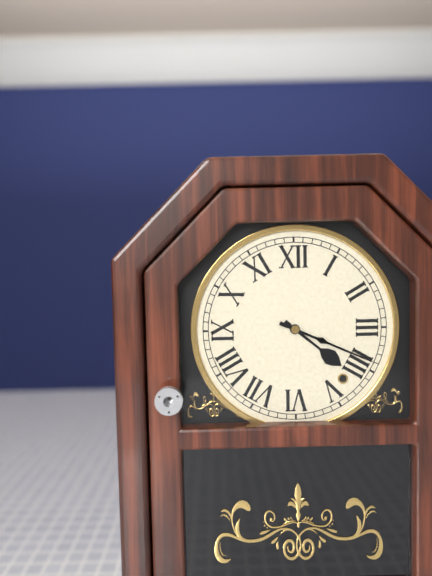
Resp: 4.19
